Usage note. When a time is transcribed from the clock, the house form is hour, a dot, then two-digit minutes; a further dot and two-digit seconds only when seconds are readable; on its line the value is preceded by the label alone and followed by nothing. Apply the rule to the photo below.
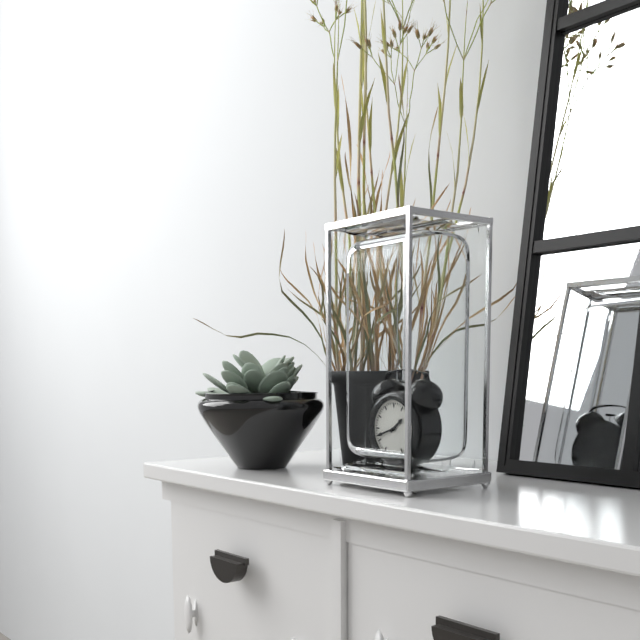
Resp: 1.42
